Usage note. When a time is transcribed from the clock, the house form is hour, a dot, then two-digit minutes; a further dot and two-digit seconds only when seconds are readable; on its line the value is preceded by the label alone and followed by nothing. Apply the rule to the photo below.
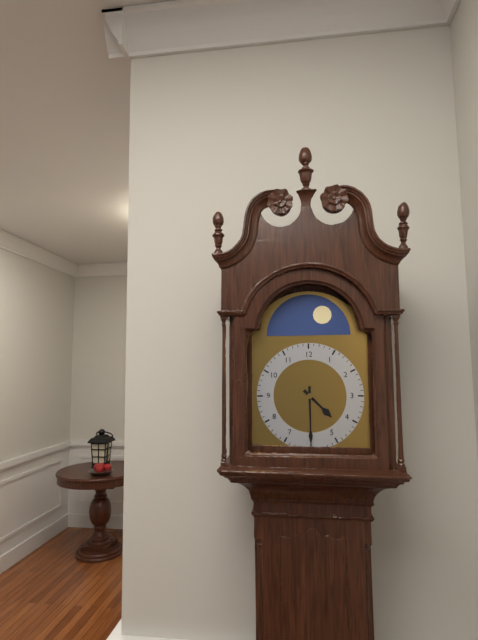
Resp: 4.30
